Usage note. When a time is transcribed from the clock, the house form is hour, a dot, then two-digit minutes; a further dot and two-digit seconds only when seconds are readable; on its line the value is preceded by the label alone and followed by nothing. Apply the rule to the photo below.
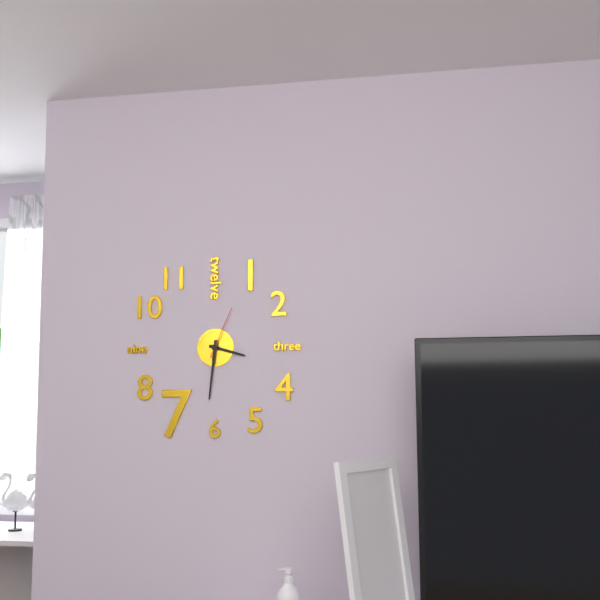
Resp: 3.31.04
